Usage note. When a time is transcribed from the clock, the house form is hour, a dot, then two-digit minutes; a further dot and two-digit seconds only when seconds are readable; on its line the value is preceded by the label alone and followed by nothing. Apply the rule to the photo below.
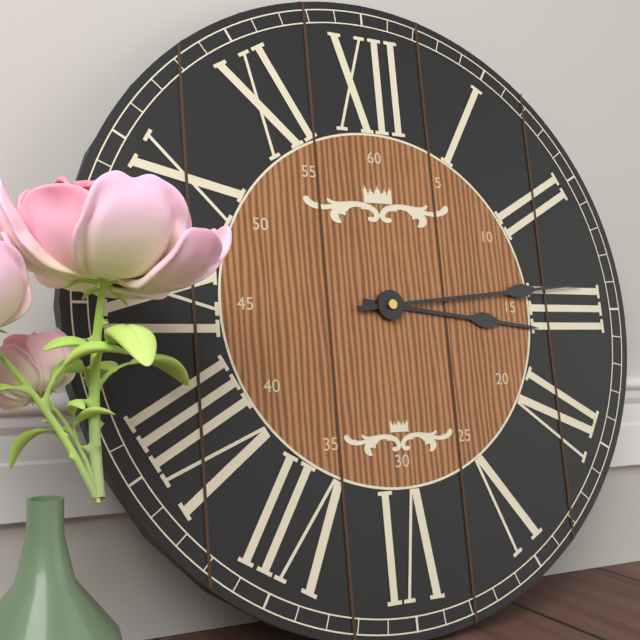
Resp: 3.14
